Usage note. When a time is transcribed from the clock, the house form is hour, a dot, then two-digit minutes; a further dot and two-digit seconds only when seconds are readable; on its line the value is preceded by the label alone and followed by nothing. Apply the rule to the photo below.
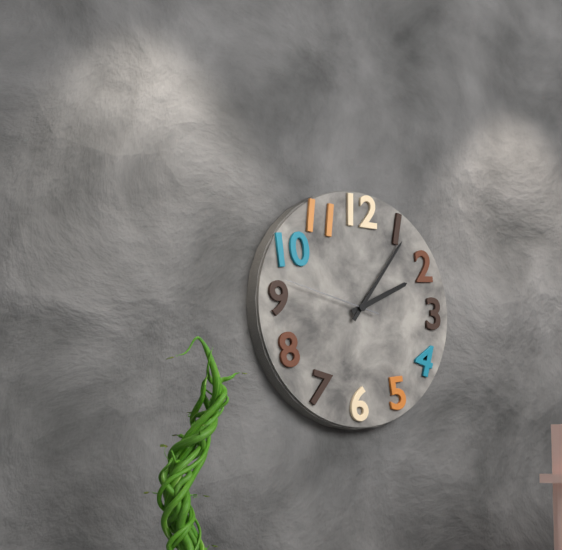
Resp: 2.06.47
